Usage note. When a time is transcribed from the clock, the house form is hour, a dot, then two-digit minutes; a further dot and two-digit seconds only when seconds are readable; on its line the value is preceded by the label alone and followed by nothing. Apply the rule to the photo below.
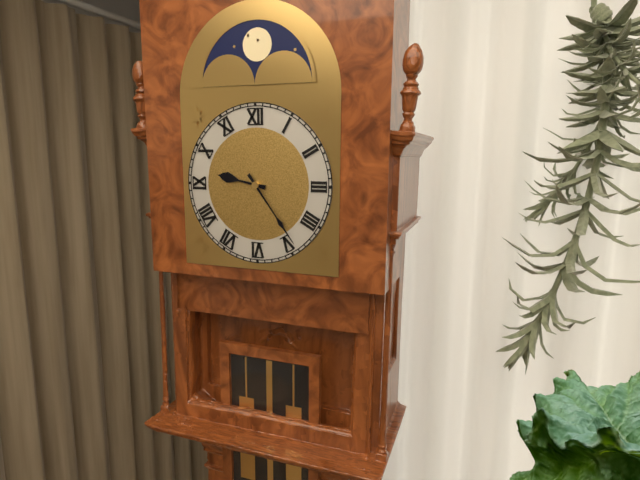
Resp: 9.24
